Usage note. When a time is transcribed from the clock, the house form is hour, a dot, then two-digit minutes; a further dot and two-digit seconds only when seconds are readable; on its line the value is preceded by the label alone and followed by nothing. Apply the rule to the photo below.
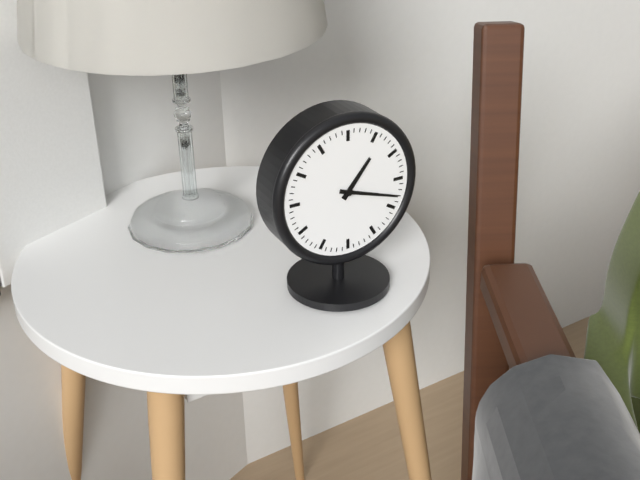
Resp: 1.18
